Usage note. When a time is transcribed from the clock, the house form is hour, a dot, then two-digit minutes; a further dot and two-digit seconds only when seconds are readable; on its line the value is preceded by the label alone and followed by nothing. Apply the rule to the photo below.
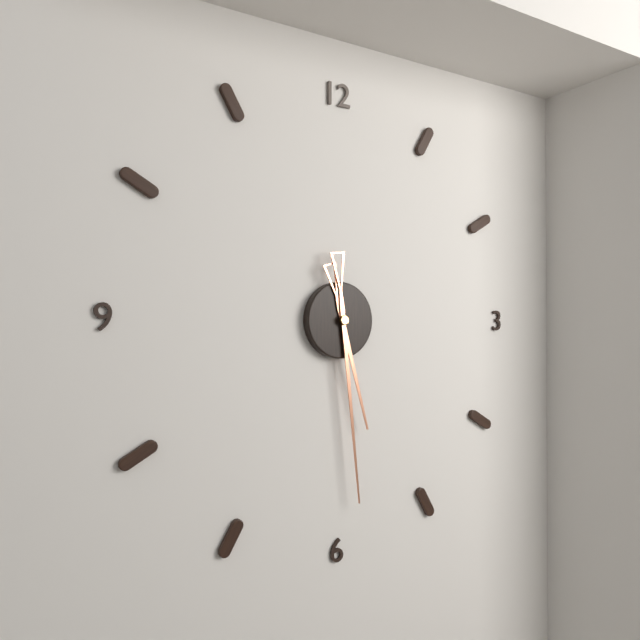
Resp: 5.29
